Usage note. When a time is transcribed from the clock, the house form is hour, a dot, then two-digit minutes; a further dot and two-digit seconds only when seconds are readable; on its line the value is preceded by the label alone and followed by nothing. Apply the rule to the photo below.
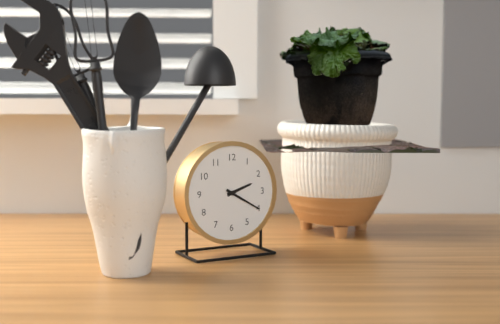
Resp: 2.20
